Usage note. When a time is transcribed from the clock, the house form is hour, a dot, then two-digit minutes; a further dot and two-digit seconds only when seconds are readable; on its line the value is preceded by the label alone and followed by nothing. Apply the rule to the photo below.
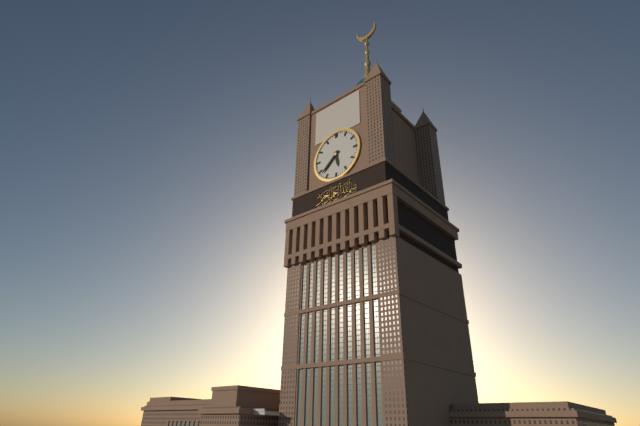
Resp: 5.38
